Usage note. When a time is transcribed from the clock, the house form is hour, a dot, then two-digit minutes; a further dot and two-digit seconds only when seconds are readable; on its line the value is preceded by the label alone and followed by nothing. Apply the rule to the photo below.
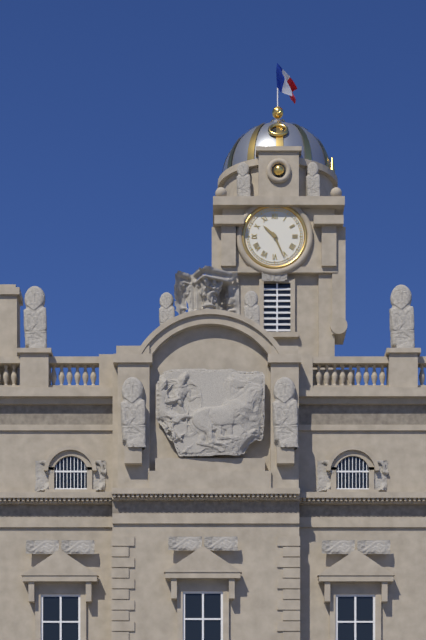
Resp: 10.26
